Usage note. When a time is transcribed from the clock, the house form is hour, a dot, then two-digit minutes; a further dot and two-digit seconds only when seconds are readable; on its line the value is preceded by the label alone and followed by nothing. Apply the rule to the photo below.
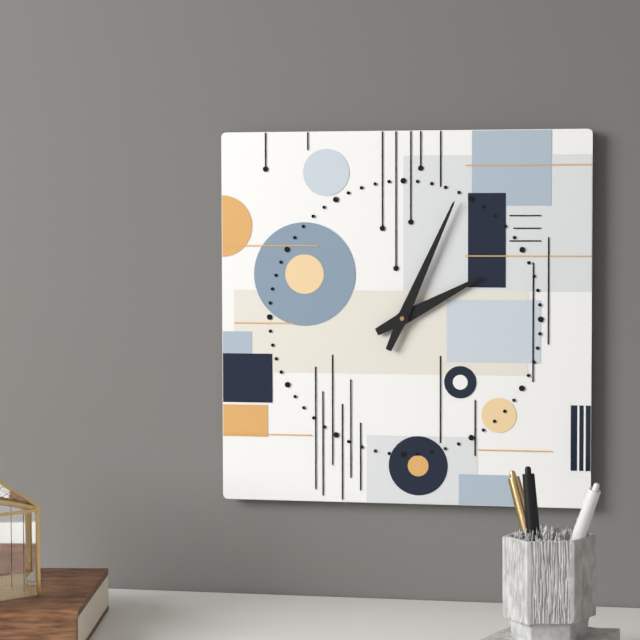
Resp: 2.04
